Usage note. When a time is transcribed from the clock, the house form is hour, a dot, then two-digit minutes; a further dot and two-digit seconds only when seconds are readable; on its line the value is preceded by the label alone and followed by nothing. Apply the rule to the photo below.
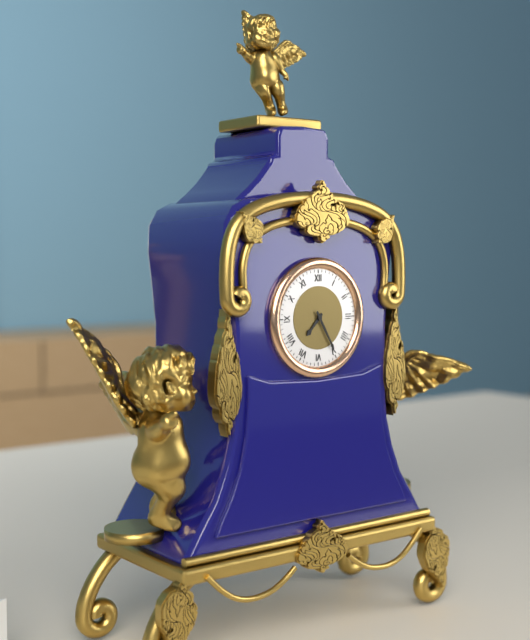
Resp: 7.25
